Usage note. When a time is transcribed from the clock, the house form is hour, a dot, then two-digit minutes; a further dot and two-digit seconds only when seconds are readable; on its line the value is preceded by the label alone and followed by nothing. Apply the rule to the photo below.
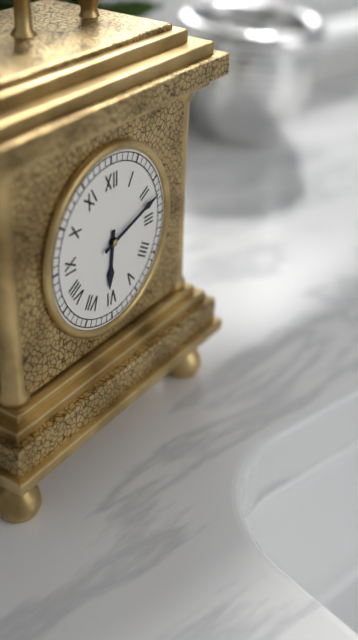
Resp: 6.12
